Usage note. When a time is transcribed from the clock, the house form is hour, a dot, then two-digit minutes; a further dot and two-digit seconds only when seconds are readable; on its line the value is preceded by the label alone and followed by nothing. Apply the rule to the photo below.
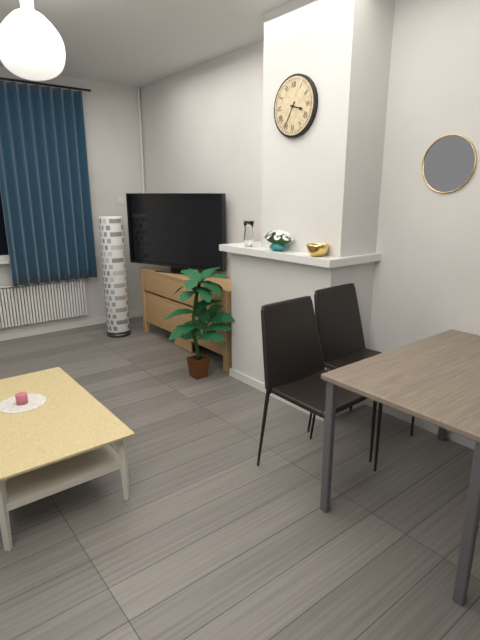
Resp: 3.35
